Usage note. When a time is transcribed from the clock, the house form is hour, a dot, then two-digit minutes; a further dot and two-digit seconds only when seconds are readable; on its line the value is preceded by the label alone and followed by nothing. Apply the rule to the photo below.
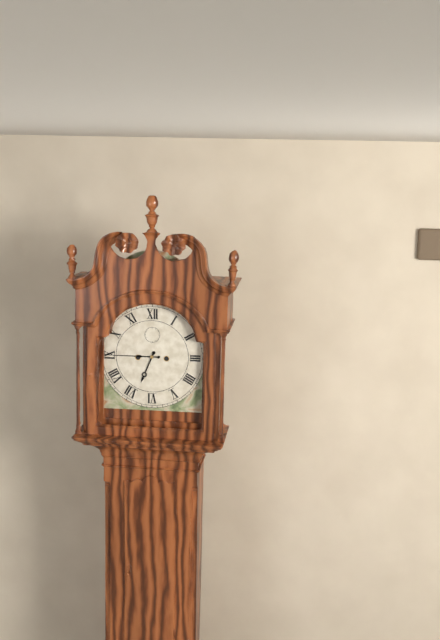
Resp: 6.45
